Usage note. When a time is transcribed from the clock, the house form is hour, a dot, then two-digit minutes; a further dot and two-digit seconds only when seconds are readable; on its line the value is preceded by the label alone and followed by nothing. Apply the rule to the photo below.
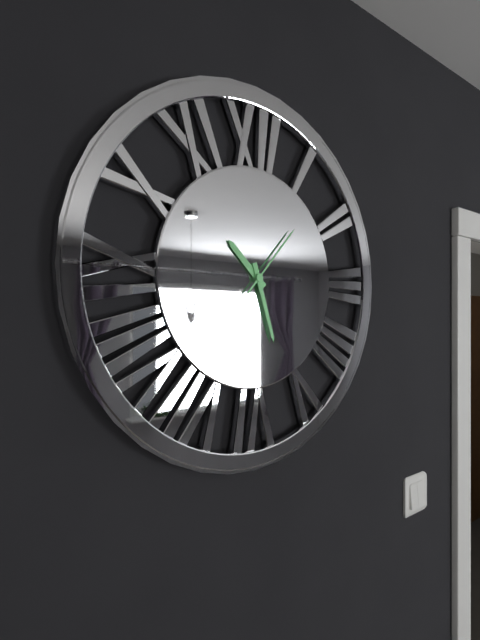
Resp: 10.27.07
